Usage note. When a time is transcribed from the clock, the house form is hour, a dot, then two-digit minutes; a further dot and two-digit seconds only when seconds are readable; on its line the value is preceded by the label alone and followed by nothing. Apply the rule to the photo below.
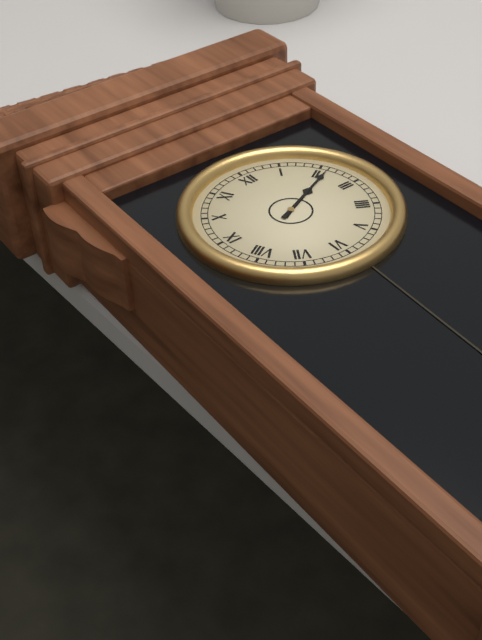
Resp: 2.11
